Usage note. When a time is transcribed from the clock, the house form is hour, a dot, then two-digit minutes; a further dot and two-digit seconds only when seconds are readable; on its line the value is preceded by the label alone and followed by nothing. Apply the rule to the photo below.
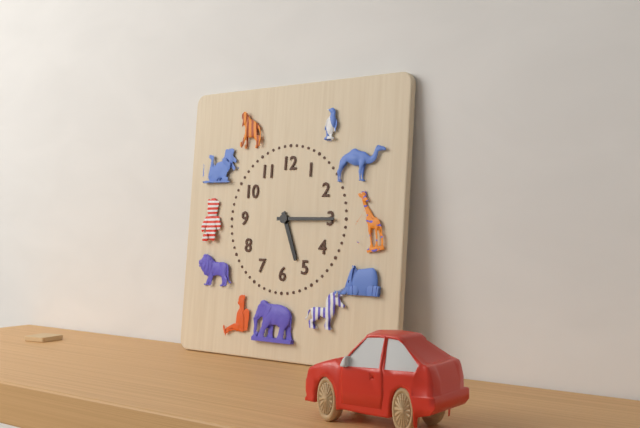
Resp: 5.15
